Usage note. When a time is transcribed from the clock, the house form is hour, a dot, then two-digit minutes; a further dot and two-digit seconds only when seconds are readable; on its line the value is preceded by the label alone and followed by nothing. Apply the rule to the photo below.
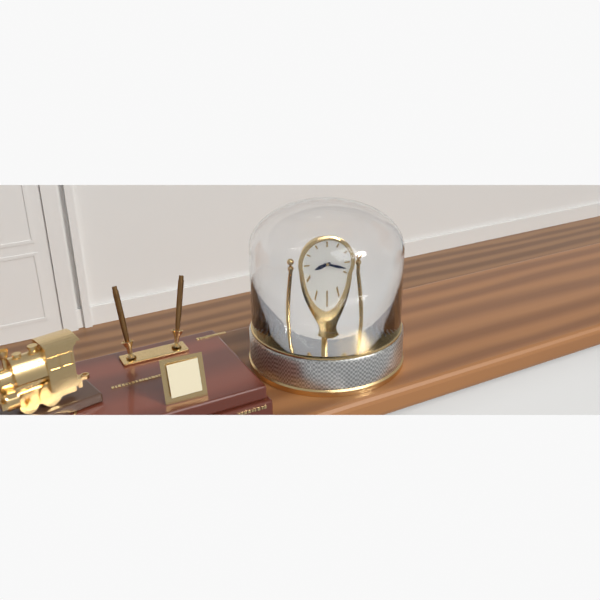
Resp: 8.18
